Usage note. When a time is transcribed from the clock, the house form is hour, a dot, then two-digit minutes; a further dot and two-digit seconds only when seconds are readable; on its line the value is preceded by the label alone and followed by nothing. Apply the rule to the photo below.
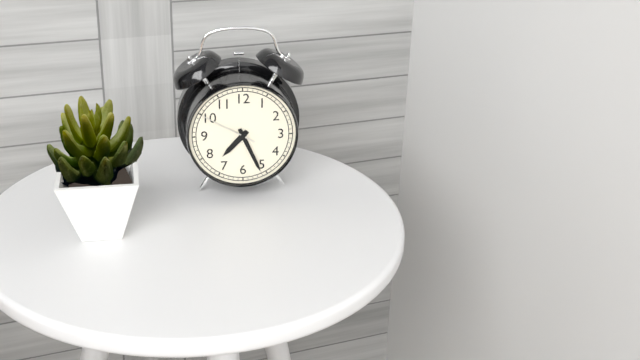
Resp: 7.26.50
